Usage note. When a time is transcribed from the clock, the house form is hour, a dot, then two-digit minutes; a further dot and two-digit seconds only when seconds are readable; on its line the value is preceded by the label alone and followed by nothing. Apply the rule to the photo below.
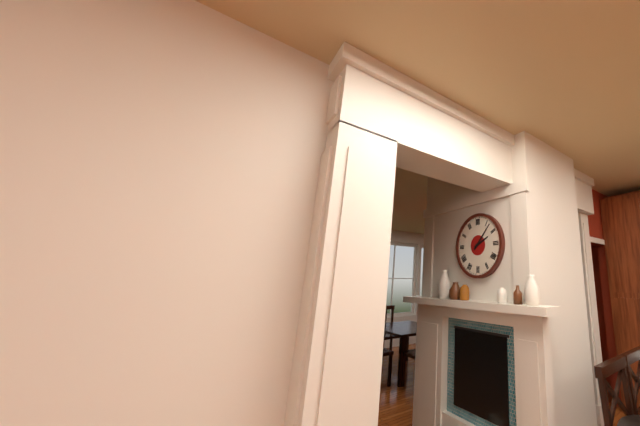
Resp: 2.07
